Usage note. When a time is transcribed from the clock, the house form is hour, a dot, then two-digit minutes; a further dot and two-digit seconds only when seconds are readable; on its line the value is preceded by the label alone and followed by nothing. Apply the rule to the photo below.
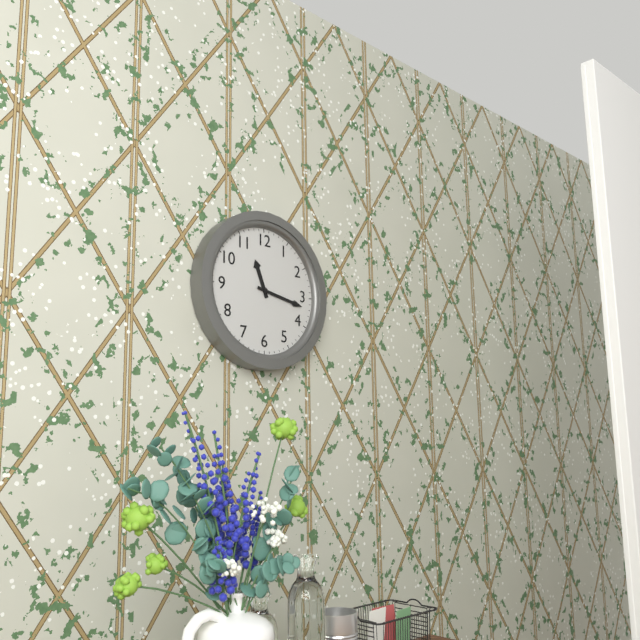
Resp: 11.17
